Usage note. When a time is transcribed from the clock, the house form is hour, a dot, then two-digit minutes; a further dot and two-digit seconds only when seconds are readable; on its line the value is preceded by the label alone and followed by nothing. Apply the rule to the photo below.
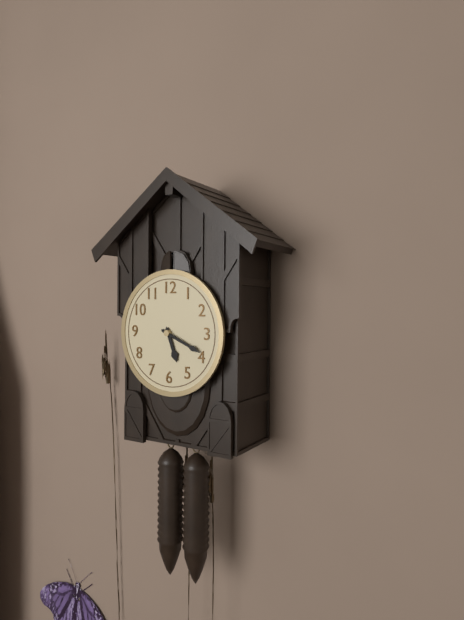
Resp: 5.19
